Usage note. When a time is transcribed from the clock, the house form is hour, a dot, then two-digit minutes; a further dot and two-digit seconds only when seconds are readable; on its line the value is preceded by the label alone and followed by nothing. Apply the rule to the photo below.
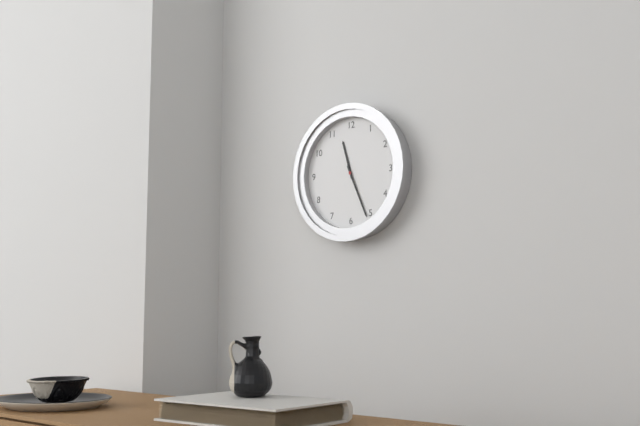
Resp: 11.26
